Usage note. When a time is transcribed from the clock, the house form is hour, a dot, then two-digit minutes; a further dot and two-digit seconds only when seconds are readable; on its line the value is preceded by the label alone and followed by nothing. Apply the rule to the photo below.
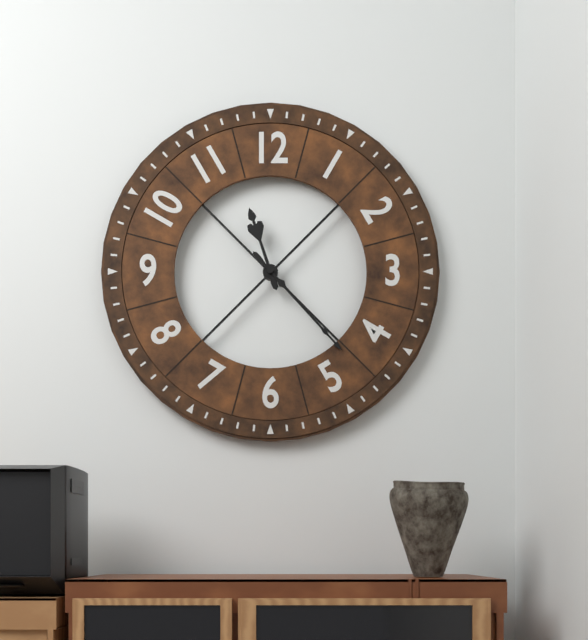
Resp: 11.23
